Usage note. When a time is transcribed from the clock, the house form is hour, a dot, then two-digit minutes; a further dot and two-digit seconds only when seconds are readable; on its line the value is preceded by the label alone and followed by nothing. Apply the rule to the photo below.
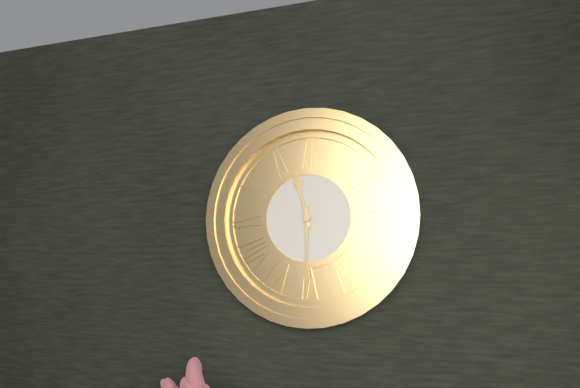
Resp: 11.30
